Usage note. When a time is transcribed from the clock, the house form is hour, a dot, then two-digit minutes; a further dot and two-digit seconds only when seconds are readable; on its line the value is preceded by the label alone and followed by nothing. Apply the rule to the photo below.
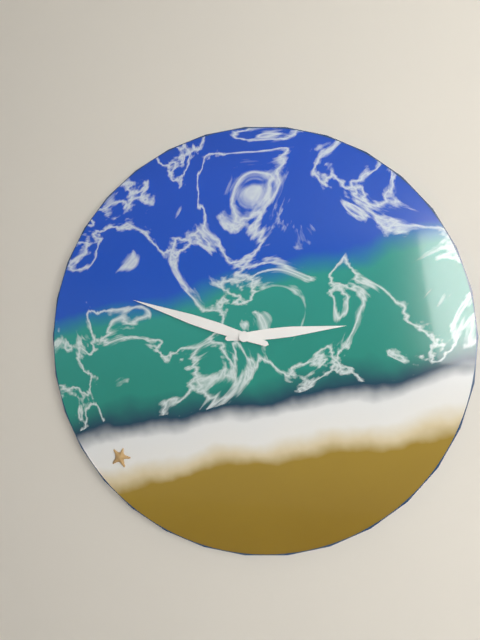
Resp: 2.48
